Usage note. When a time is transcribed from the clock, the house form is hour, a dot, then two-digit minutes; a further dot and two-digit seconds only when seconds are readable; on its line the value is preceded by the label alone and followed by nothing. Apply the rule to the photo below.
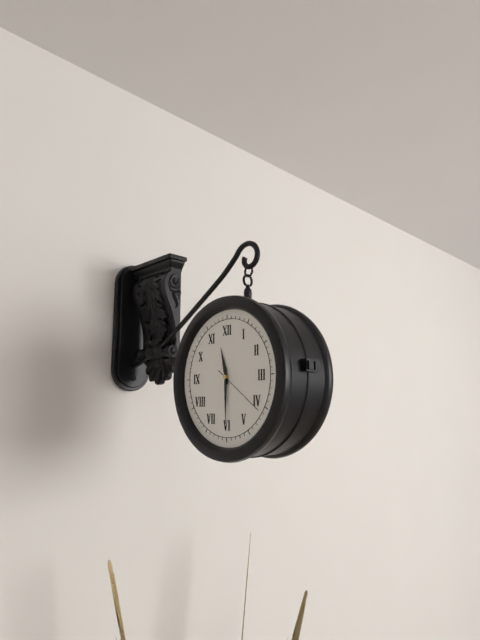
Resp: 11.30.21
